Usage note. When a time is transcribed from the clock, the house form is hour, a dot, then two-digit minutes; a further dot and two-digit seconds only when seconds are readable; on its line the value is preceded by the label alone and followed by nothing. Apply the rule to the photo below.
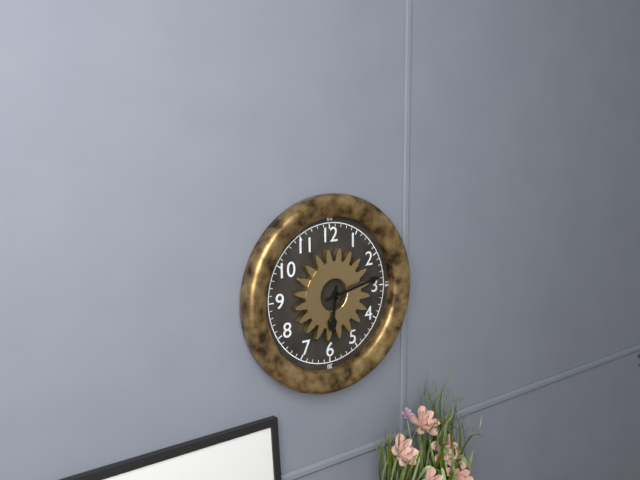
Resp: 6.13
